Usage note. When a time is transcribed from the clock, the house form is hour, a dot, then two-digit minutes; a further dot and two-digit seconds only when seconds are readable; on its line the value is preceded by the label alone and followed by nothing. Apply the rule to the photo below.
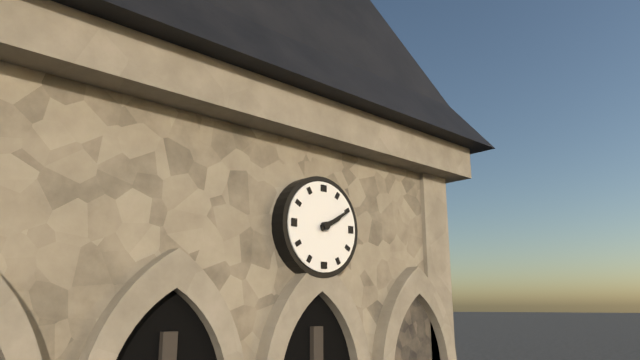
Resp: 2.10
